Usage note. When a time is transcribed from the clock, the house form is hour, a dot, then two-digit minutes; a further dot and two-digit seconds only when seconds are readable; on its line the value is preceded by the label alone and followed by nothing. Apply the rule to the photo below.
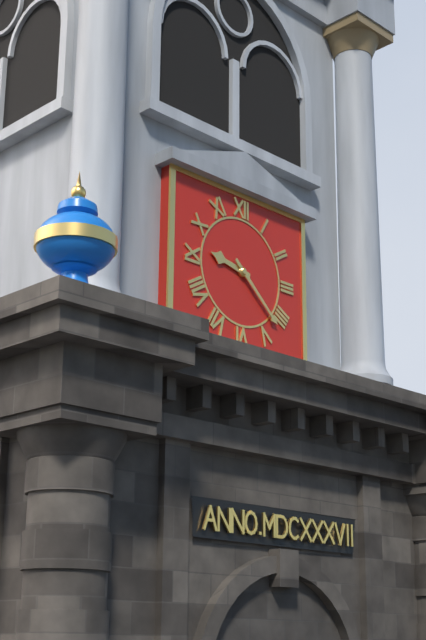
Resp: 9.22
